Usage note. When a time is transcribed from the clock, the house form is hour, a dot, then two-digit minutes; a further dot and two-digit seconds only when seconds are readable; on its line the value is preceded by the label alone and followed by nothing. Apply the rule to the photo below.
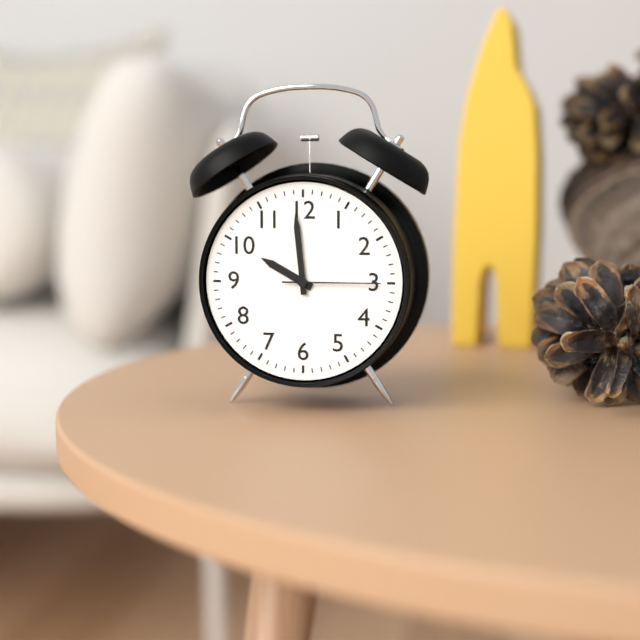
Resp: 9.59.15
